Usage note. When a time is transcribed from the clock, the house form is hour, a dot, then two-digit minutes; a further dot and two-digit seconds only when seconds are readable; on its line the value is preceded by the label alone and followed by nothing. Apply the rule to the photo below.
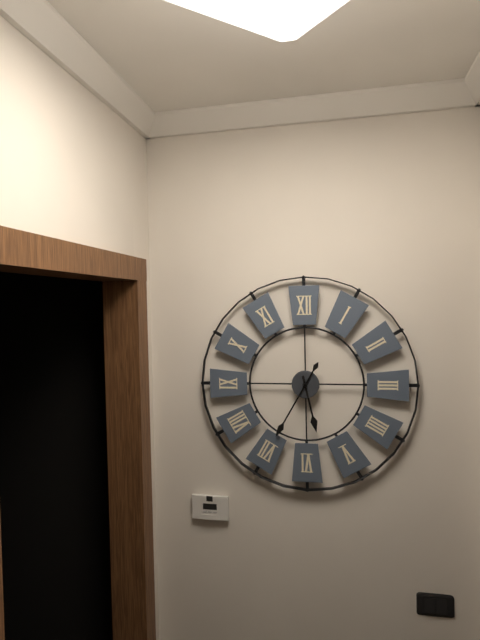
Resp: 5.35
